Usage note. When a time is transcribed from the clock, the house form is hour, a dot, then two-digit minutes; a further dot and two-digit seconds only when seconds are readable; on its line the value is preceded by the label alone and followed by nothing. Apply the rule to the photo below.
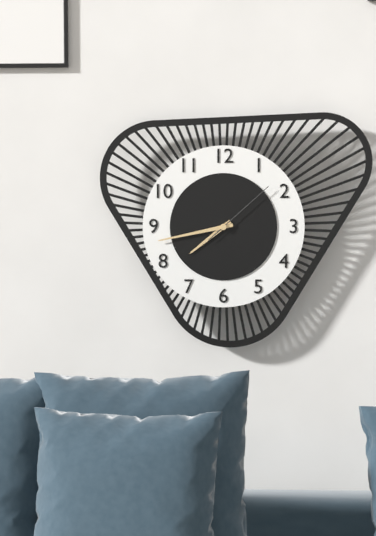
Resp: 7.43.08
